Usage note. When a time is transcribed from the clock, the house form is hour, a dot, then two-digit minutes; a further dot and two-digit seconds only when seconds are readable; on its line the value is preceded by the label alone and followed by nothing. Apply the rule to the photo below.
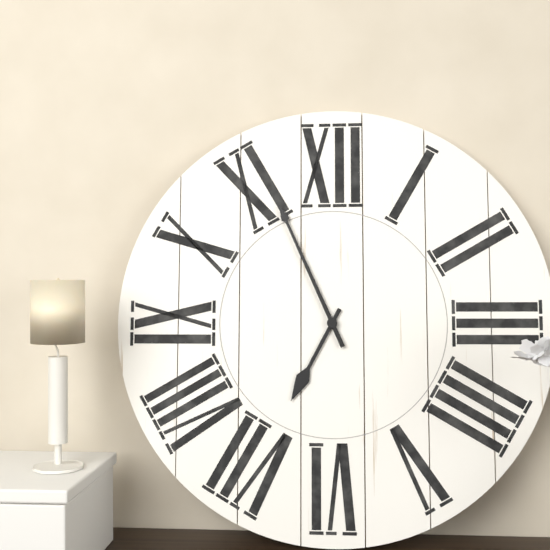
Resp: 6.56
